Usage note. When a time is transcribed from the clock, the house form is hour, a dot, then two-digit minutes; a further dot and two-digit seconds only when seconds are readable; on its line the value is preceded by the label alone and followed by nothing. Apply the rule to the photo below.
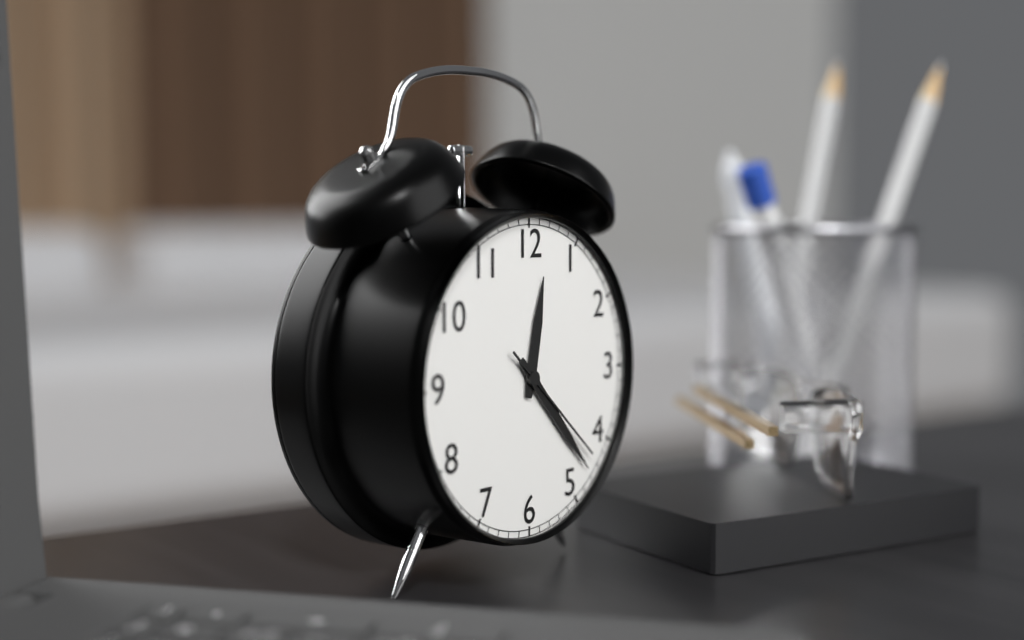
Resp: 12.23.22
